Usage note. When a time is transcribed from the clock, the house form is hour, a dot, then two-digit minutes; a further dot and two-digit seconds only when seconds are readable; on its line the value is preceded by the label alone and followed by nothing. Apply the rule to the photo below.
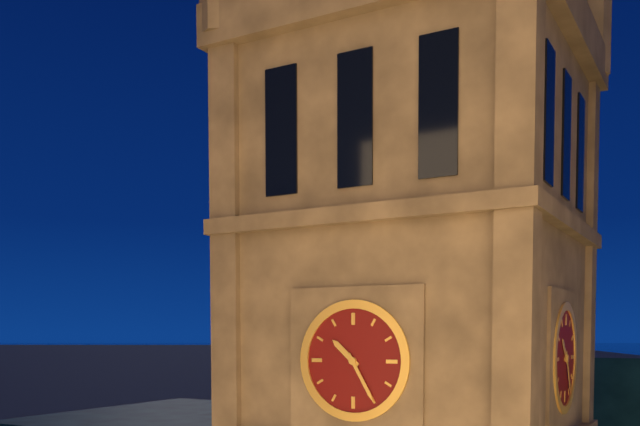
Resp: 10.25
